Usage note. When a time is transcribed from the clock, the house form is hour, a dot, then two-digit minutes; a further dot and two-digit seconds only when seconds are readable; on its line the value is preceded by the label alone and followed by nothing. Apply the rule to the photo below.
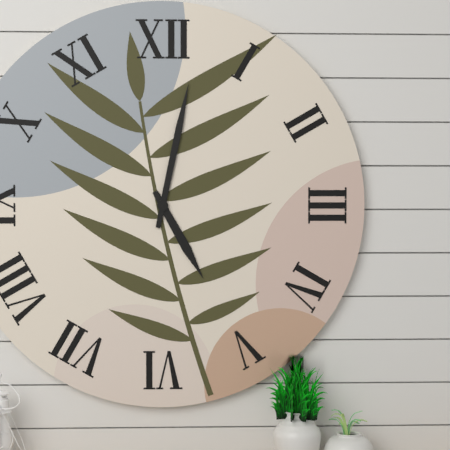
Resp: 5.02
